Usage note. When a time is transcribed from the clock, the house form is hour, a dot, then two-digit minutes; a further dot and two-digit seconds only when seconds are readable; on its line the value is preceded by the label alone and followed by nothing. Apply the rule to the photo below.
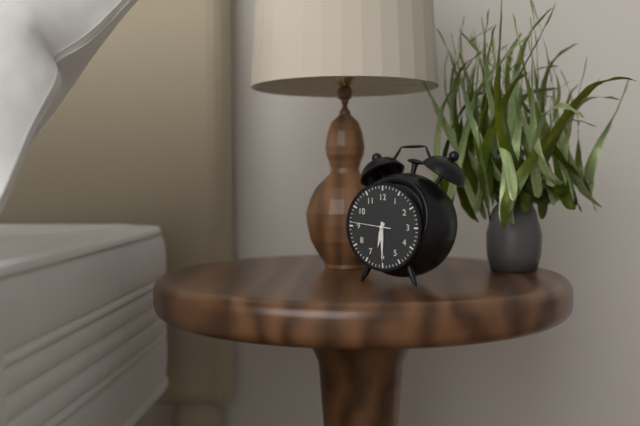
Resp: 6.30
